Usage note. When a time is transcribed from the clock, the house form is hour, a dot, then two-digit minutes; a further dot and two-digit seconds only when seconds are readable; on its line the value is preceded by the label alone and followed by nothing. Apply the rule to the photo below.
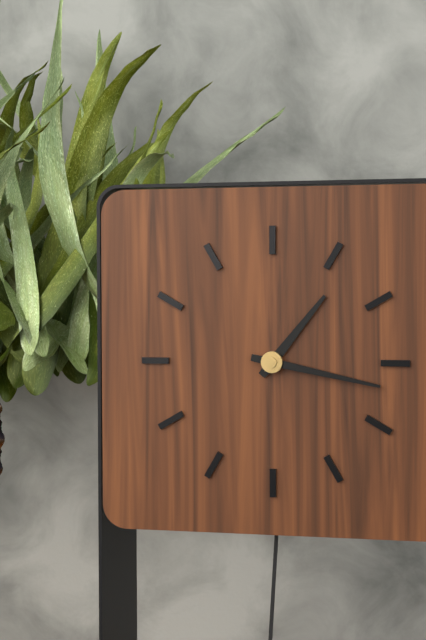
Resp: 1.17
